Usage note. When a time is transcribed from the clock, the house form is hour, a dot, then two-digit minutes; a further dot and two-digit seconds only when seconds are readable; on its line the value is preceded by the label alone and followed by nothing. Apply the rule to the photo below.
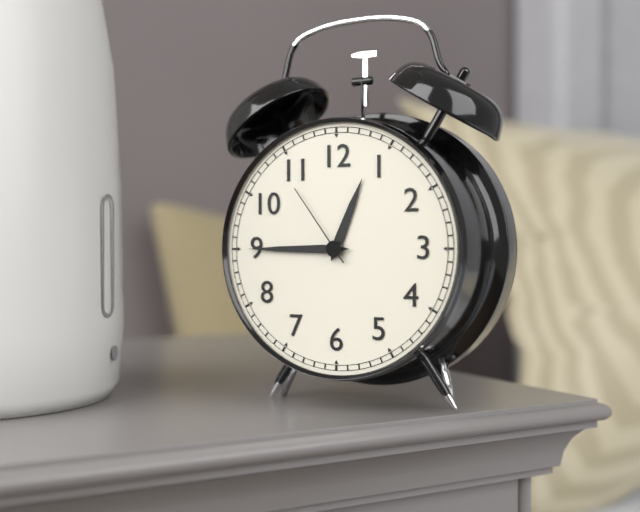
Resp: 12.45.54
